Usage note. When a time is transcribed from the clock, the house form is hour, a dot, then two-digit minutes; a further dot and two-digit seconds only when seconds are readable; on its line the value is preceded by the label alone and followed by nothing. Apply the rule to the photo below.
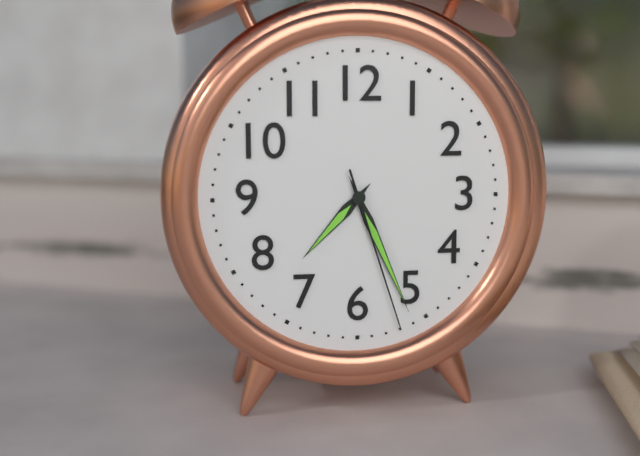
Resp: 7.26.27
